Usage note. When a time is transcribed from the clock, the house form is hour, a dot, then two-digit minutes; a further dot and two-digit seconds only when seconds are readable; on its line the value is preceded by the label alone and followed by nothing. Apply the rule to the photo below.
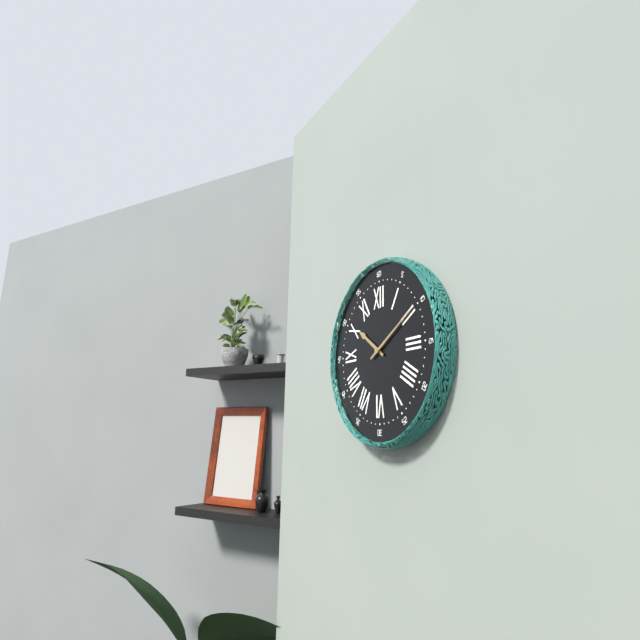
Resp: 10.10
